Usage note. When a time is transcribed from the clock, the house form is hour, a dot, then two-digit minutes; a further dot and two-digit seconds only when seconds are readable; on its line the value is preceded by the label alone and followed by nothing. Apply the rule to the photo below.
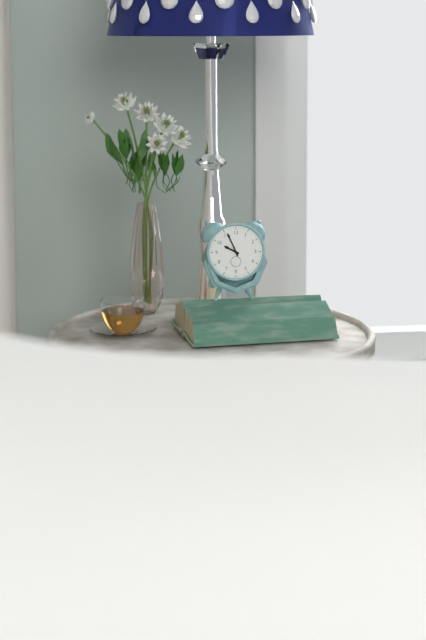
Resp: 9.56
